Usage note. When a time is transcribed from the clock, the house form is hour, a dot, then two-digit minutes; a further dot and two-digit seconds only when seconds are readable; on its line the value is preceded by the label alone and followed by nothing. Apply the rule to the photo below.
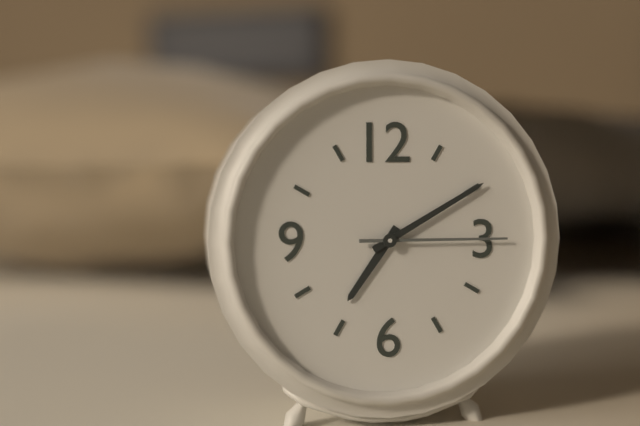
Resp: 7.10.15
